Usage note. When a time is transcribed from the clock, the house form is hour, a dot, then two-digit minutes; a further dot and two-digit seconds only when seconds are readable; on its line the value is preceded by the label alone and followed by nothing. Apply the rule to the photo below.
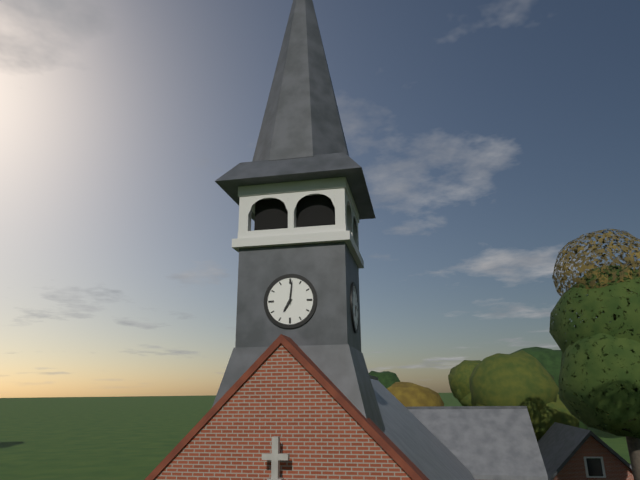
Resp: 7.01
